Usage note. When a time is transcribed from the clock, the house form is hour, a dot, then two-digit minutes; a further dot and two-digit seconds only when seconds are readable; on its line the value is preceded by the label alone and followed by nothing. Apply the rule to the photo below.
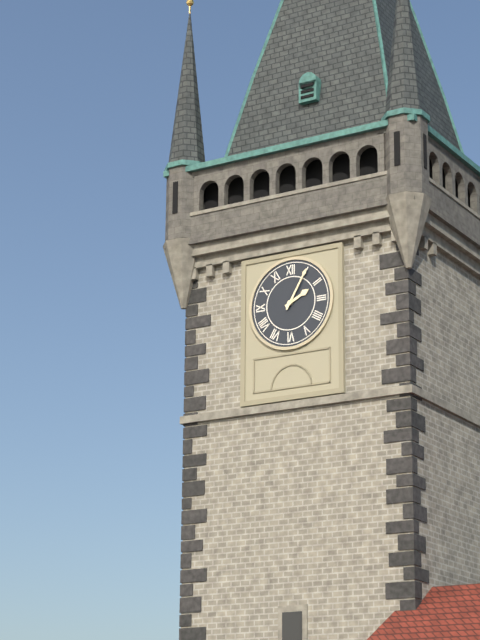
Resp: 2.05
